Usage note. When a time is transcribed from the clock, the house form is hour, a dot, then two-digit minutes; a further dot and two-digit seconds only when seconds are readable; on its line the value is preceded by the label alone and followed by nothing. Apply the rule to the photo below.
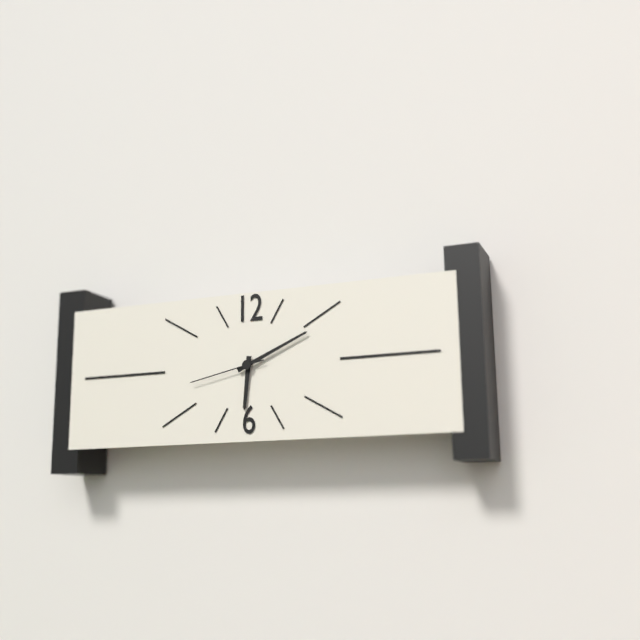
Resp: 6.11.43
